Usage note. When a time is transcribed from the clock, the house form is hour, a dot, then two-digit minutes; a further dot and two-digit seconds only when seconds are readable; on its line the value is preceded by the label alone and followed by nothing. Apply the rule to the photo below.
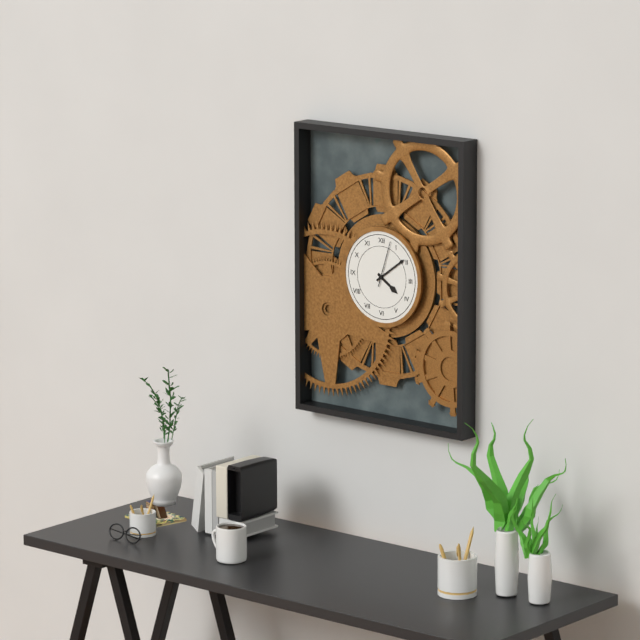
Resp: 4.09
